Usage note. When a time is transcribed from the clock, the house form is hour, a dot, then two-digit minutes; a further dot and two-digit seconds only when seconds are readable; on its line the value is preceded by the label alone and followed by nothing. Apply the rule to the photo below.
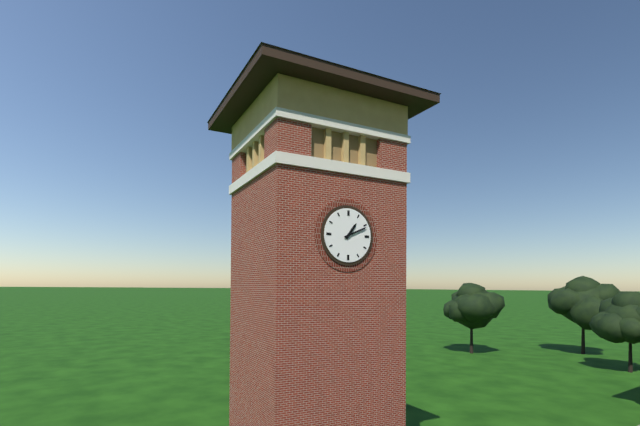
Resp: 1.11
